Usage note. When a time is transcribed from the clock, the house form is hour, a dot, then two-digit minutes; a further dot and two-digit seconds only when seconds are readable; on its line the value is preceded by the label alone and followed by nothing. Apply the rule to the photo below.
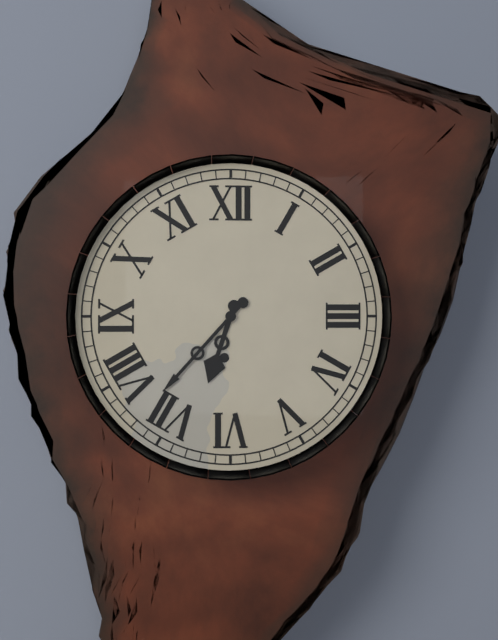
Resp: 6.37
